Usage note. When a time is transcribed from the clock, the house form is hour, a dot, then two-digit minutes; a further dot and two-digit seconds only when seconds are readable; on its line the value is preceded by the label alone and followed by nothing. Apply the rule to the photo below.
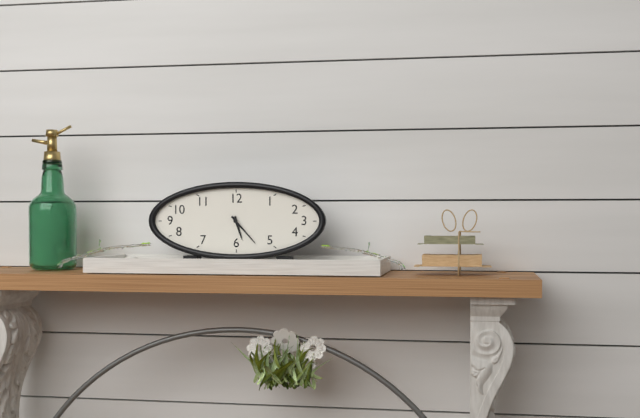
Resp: 5.23
